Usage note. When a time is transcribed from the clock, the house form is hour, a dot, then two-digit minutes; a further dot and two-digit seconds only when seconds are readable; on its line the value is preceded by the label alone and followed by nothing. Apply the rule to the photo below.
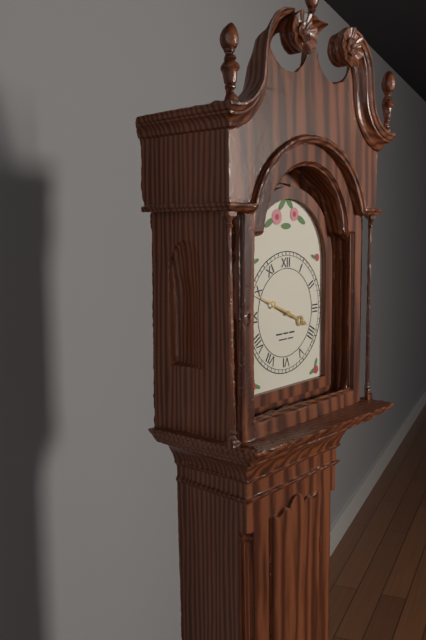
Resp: 3.49
